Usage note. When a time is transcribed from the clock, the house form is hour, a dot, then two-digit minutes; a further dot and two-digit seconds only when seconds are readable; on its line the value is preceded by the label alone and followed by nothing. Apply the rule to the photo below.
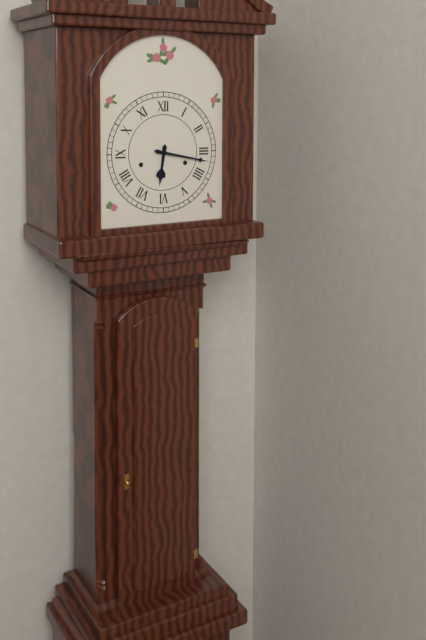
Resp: 6.17
